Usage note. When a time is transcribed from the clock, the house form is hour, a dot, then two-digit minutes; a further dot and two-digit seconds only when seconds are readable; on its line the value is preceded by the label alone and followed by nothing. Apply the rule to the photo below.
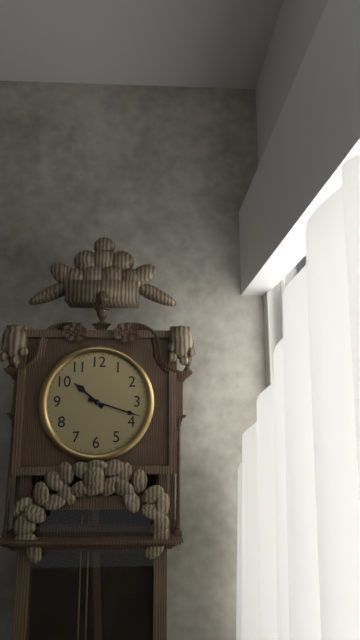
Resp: 10.18
